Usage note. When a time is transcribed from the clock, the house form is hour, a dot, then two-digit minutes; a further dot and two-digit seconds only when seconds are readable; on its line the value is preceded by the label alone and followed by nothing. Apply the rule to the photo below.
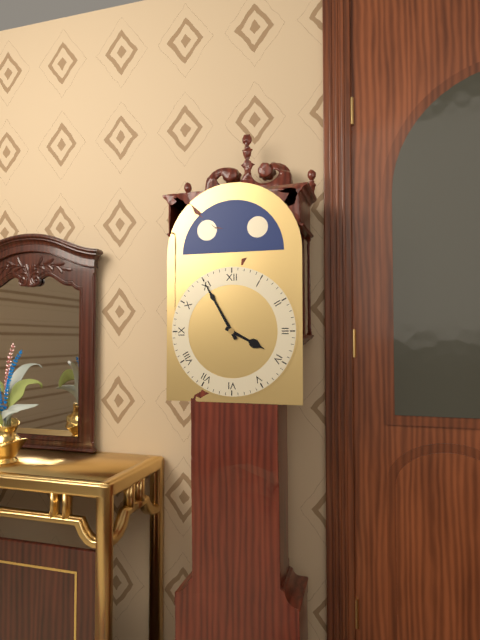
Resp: 3.55
